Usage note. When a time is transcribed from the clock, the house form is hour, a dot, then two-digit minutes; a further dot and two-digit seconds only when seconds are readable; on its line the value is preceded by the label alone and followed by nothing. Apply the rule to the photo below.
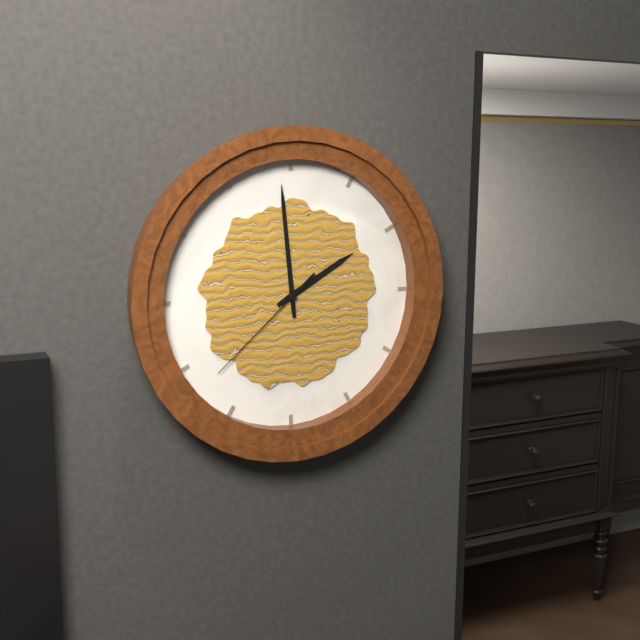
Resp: 1.59.38
